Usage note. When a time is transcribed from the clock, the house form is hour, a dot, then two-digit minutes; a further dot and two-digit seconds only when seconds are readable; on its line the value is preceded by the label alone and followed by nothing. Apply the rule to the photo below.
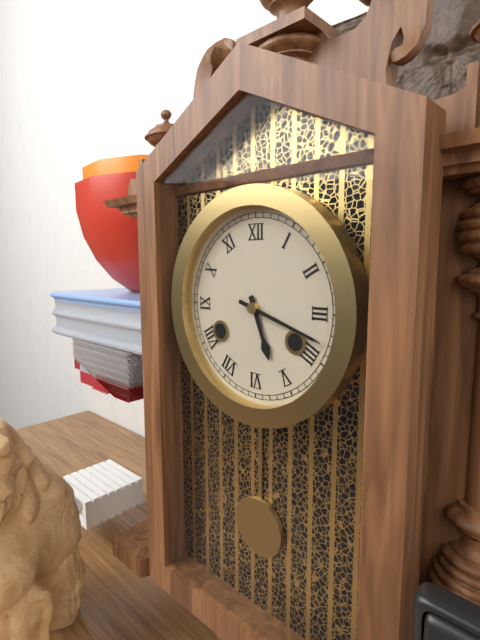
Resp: 5.18
